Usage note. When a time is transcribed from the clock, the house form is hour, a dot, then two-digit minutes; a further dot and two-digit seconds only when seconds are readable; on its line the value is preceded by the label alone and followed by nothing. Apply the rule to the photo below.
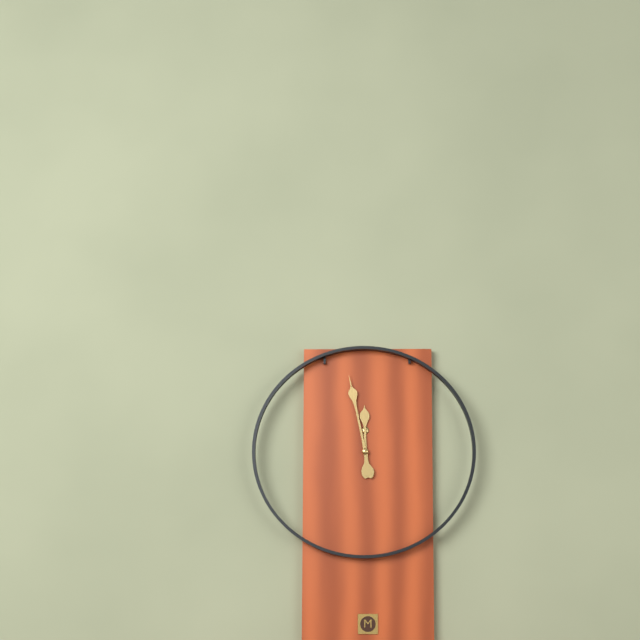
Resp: 11.58
